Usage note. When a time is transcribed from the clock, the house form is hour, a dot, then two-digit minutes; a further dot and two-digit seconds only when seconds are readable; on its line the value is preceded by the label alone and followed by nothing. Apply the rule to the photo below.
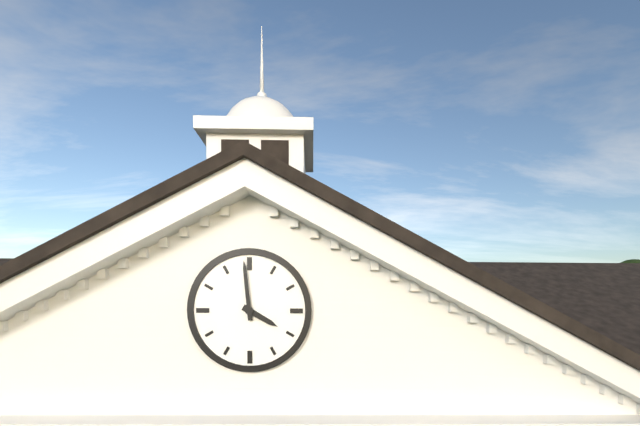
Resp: 3.59
